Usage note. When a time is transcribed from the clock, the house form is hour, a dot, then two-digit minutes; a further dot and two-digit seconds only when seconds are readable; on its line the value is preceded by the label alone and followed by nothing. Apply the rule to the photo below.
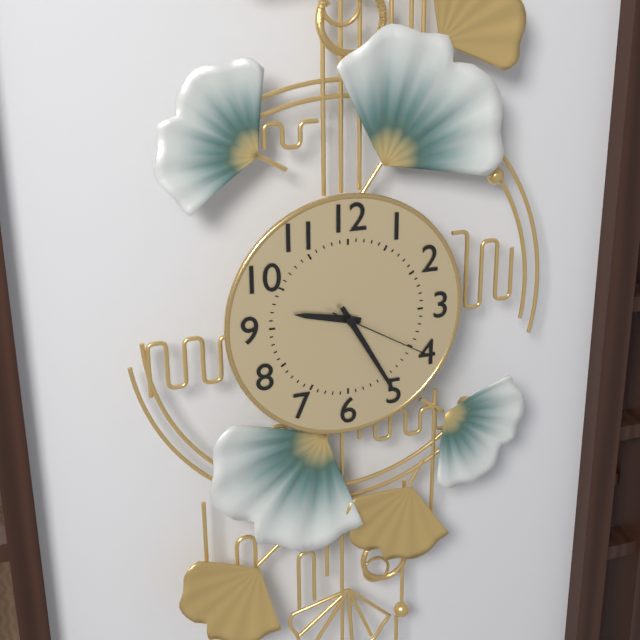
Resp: 9.25.20
